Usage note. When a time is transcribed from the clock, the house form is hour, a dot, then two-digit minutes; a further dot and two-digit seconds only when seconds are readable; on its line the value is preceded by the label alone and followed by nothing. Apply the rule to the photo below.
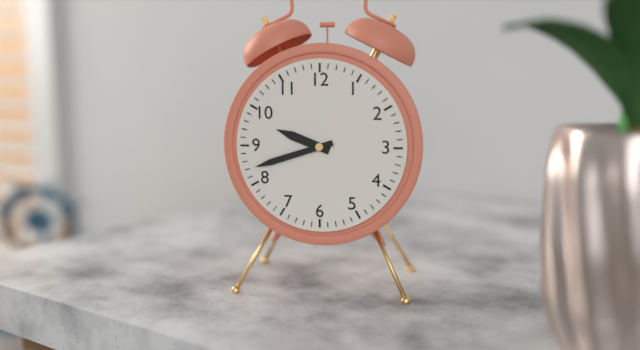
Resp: 9.42
